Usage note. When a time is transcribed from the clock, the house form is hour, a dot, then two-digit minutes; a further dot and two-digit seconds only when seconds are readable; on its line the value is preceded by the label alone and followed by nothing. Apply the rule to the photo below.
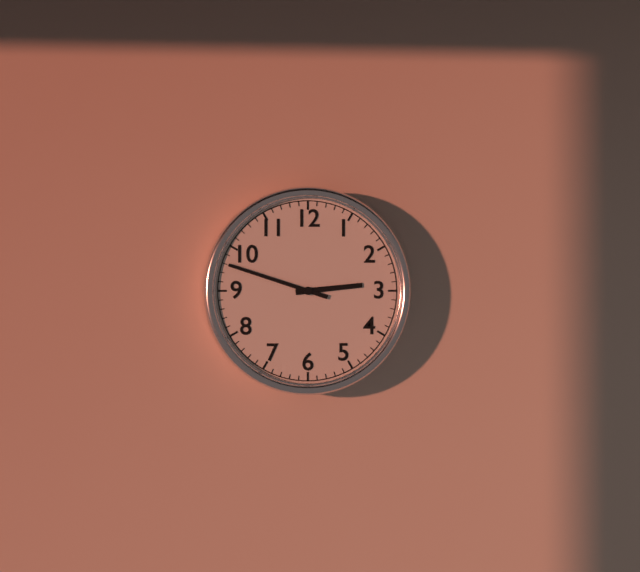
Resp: 2.48
